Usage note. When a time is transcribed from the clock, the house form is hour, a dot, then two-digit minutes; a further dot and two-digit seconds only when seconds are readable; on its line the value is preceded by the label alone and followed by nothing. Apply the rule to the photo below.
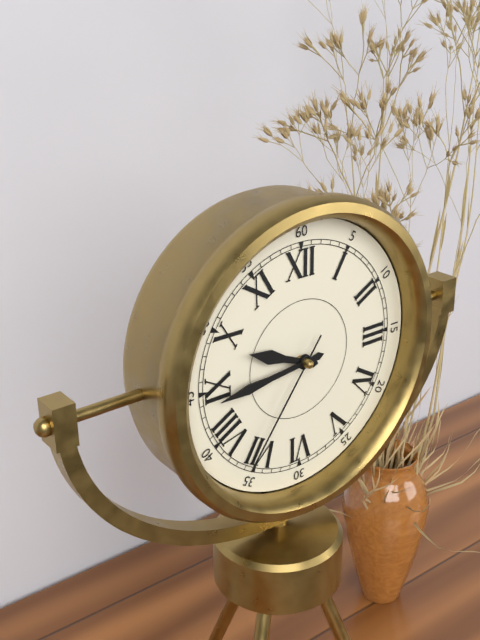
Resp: 9.44.36
